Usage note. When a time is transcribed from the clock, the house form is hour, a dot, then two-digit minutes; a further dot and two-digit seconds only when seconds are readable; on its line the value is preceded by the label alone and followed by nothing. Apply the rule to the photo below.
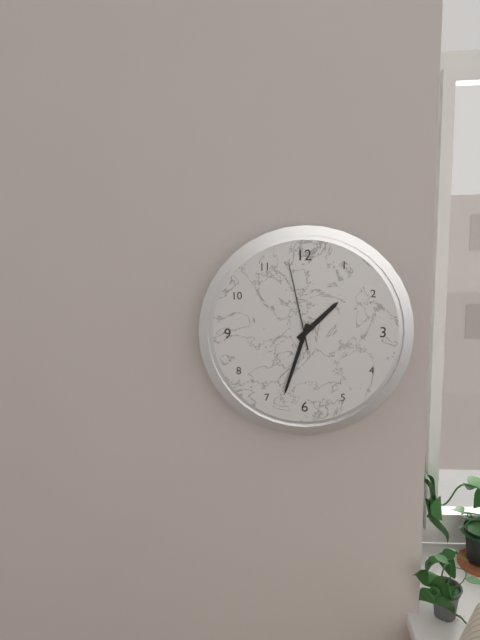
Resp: 1.33.58
